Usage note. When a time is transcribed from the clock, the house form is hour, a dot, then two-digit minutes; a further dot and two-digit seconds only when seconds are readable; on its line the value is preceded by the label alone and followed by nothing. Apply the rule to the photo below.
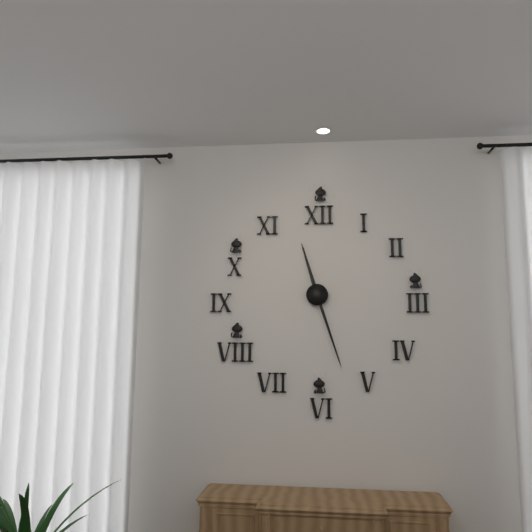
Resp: 11.27
